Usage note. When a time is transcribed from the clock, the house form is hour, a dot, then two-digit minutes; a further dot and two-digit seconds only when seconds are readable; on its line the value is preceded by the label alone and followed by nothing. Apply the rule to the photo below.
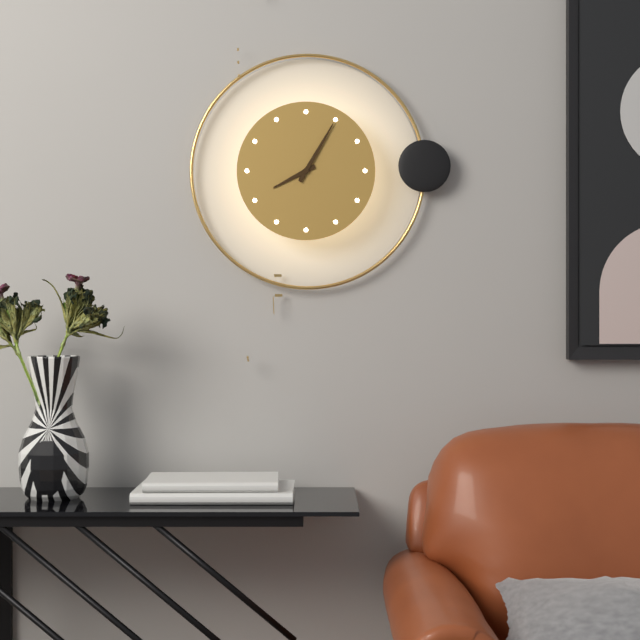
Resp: 8.05
